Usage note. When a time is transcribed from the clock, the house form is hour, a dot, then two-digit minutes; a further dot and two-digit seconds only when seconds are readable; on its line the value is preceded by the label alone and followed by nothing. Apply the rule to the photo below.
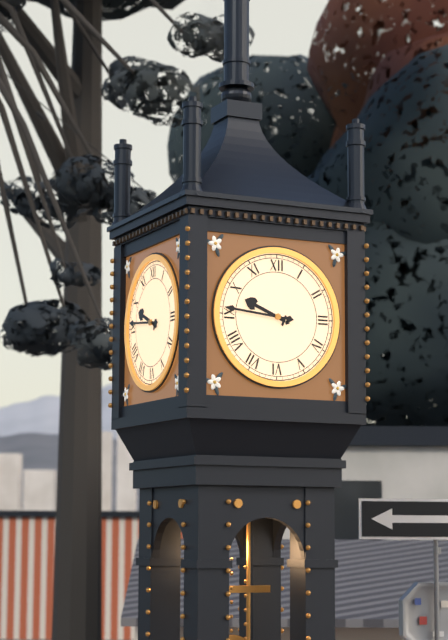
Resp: 9.46
